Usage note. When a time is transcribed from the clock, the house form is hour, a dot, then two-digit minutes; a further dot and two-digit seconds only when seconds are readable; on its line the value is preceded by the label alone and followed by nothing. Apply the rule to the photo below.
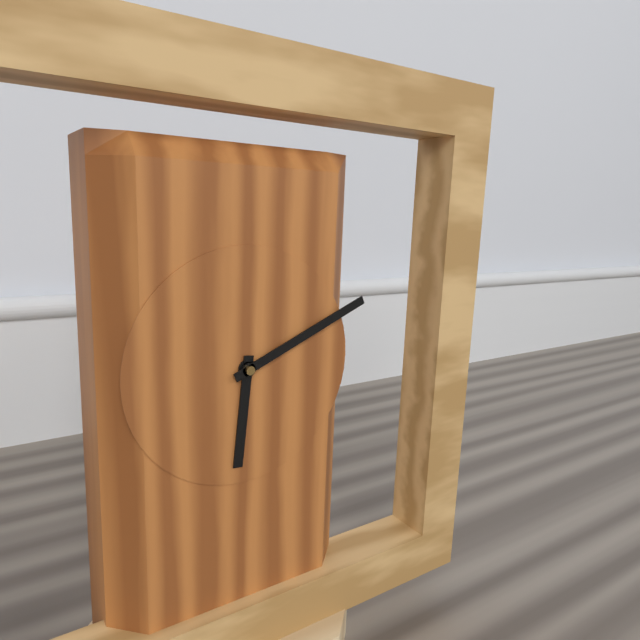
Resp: 6.11
